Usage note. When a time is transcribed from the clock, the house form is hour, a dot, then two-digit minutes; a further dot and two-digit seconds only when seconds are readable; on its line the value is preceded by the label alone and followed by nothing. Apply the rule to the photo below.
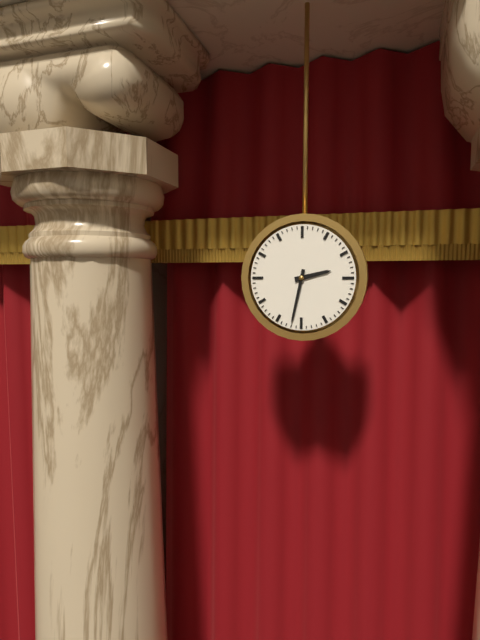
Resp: 2.32
